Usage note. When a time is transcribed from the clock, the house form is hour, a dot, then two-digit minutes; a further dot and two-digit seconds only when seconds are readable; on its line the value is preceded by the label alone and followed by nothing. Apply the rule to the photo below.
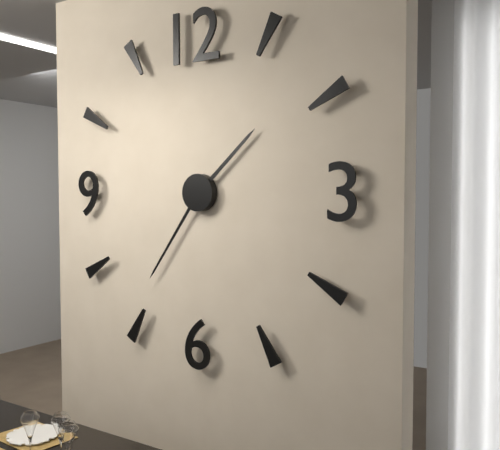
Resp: 1.36
